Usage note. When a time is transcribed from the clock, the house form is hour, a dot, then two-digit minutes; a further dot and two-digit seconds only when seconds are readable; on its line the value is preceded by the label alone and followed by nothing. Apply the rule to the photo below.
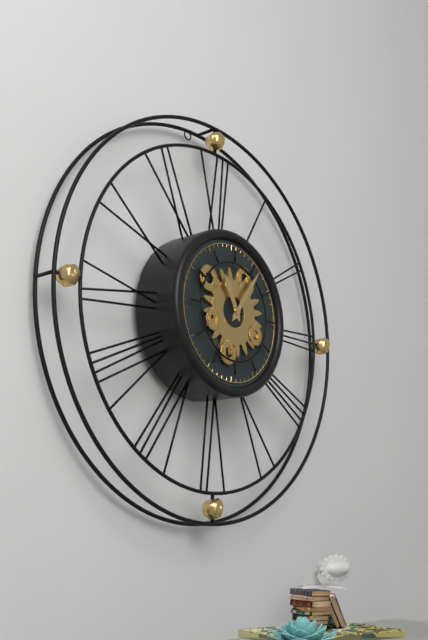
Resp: 11.06
